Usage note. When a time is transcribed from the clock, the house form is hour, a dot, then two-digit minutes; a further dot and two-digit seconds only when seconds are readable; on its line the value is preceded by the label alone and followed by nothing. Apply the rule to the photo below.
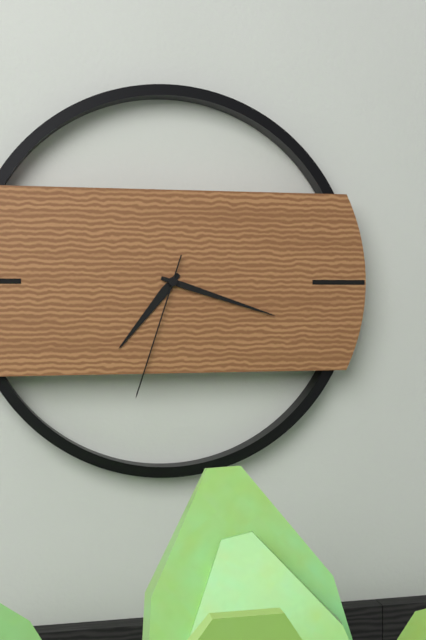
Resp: 7.18.33
